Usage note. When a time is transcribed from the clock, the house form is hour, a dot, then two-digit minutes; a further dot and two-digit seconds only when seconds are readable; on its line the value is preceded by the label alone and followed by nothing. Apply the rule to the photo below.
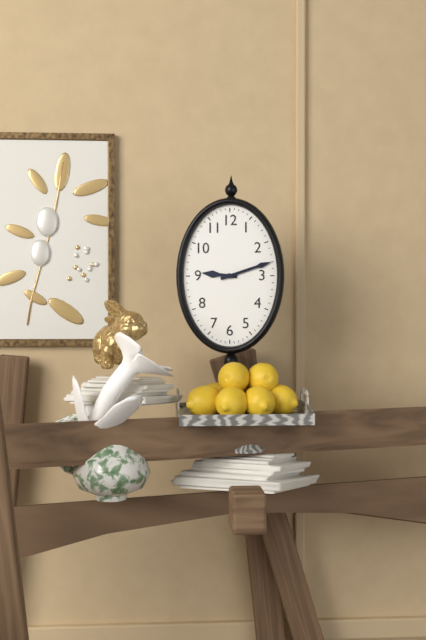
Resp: 9.12
